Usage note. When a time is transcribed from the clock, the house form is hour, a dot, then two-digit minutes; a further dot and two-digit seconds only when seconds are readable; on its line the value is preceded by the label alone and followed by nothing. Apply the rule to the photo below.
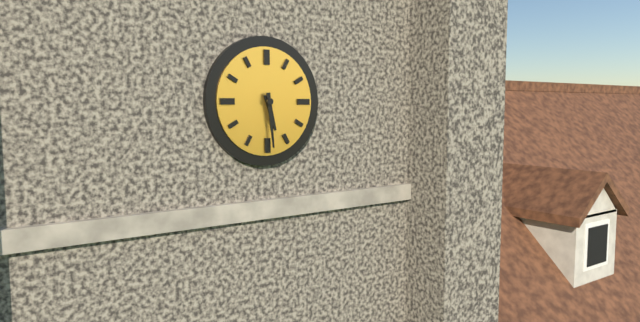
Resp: 5.29
